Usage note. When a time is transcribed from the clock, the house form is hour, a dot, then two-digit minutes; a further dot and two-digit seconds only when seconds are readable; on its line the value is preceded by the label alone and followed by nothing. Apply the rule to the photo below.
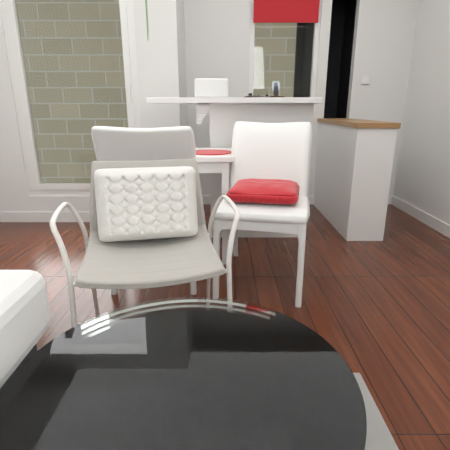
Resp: 7.43
